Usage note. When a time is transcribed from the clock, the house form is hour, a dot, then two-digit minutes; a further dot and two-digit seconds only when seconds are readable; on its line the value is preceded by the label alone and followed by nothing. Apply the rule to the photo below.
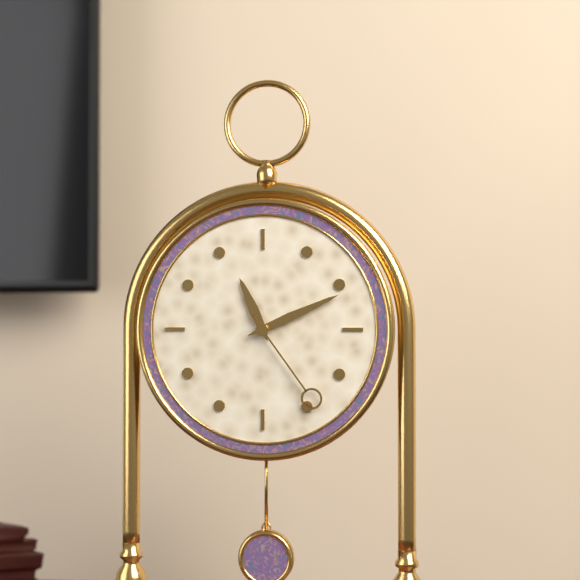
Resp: 11.11.24
